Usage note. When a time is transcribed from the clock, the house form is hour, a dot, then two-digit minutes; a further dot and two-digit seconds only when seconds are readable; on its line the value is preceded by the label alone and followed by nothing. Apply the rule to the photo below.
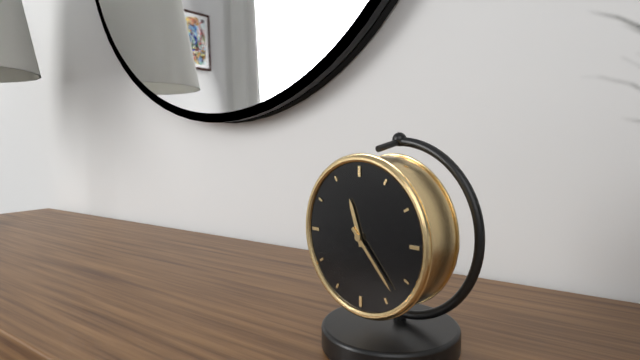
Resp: 11.23
